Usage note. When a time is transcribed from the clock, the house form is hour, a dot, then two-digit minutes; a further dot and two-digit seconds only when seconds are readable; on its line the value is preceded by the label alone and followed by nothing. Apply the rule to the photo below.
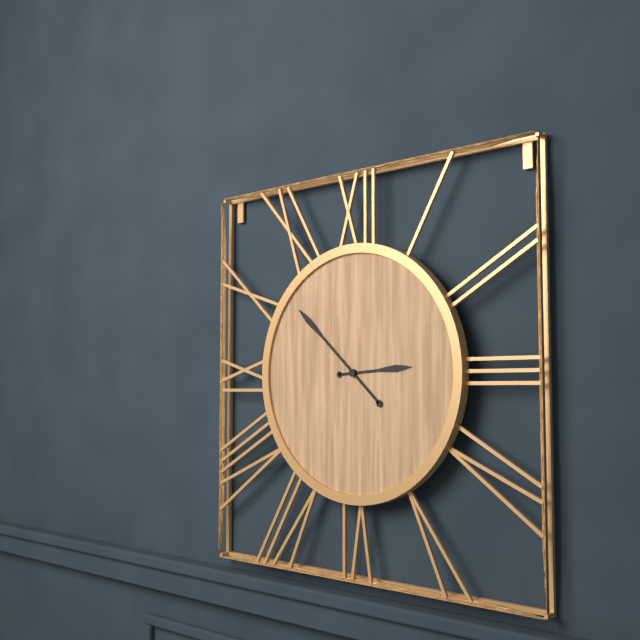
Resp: 2.52
